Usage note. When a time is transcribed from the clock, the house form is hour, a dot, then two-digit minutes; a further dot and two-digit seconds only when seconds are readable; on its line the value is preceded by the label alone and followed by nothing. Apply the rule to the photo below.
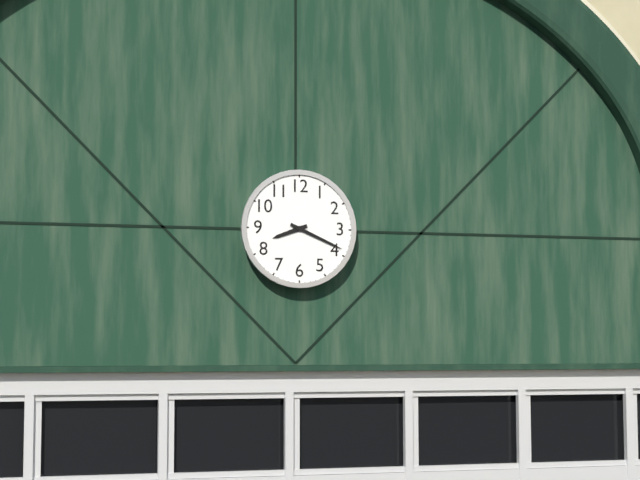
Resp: 8.19
